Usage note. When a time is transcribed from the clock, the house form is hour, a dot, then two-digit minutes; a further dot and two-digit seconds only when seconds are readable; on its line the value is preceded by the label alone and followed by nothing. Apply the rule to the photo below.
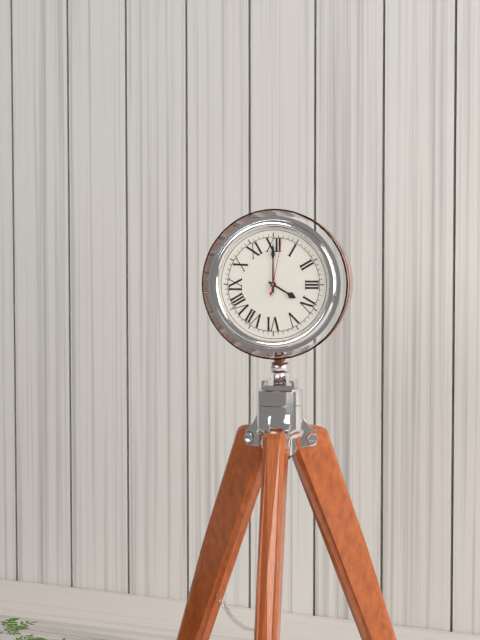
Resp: 4.00.02
